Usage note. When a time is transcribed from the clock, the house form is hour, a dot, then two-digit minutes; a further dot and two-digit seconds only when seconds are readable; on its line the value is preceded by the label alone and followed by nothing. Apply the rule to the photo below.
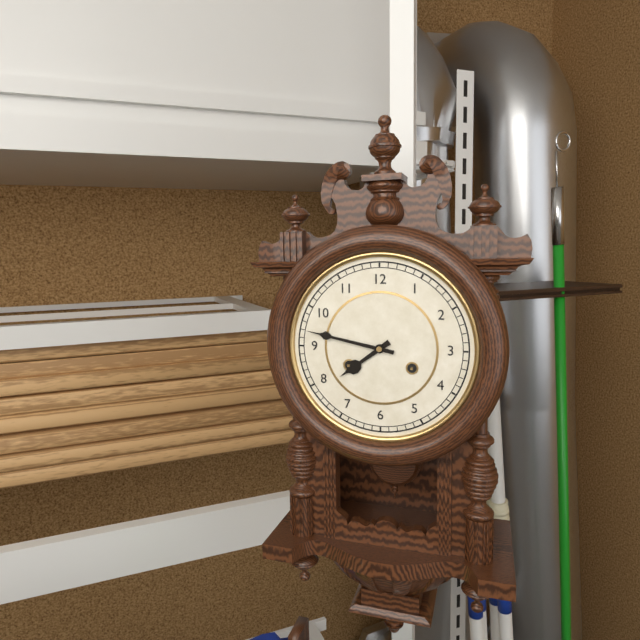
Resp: 7.47
